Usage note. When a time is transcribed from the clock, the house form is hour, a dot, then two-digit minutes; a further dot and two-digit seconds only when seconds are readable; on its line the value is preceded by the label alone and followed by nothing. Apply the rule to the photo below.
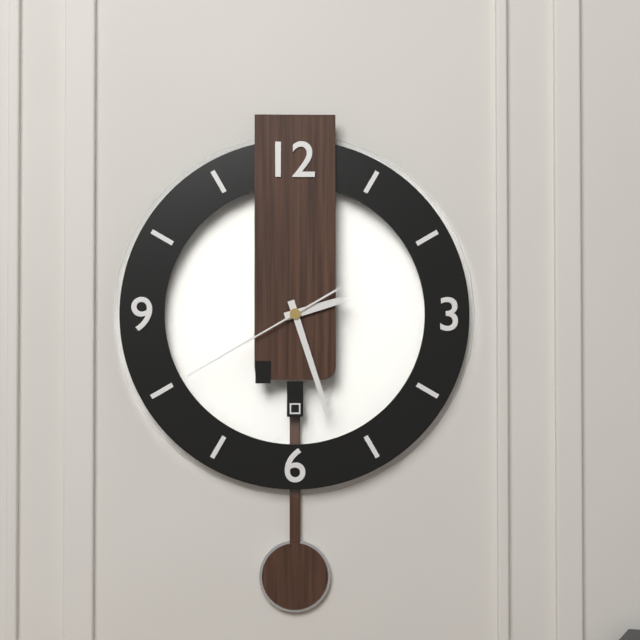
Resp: 2.27.40
